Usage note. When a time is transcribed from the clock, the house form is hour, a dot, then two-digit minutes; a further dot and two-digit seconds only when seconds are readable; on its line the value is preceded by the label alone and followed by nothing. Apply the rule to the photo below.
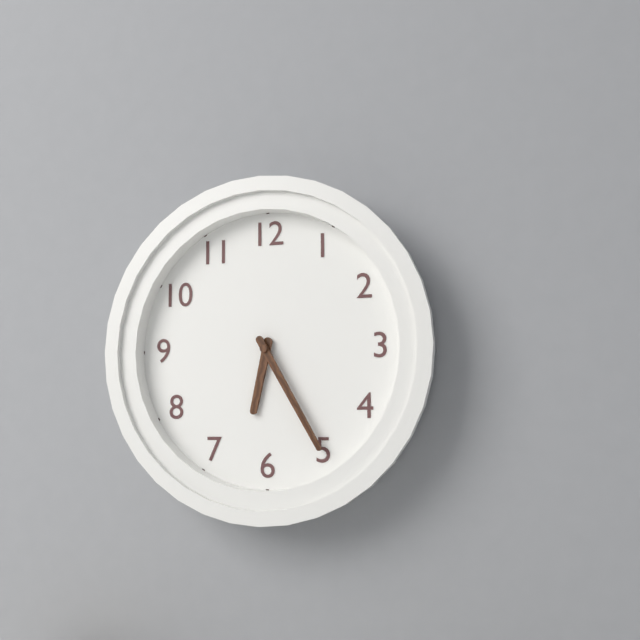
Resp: 6.25
